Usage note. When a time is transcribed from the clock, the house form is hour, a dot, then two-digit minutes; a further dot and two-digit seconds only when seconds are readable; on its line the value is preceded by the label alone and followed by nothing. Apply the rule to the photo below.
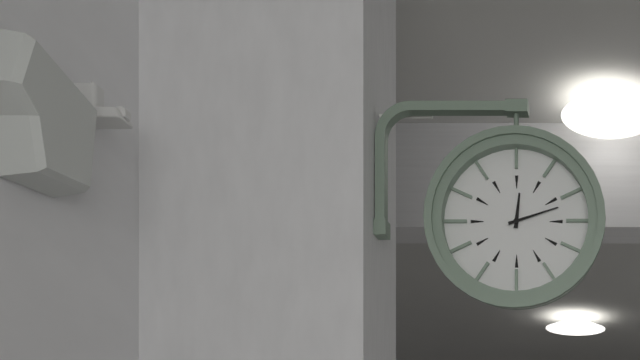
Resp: 12.12
